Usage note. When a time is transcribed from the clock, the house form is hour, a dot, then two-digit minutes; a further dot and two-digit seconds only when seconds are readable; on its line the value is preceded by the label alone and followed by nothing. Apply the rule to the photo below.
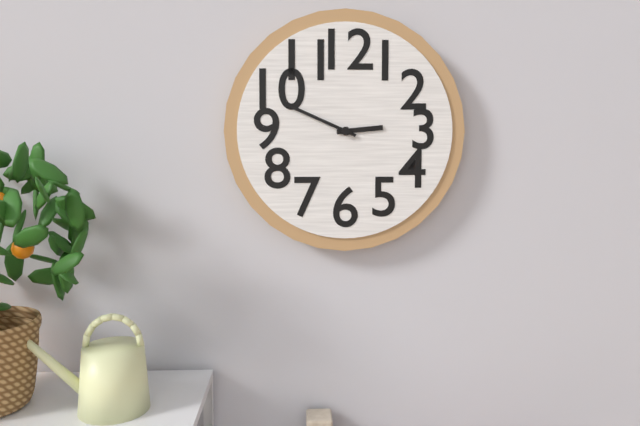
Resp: 2.49
